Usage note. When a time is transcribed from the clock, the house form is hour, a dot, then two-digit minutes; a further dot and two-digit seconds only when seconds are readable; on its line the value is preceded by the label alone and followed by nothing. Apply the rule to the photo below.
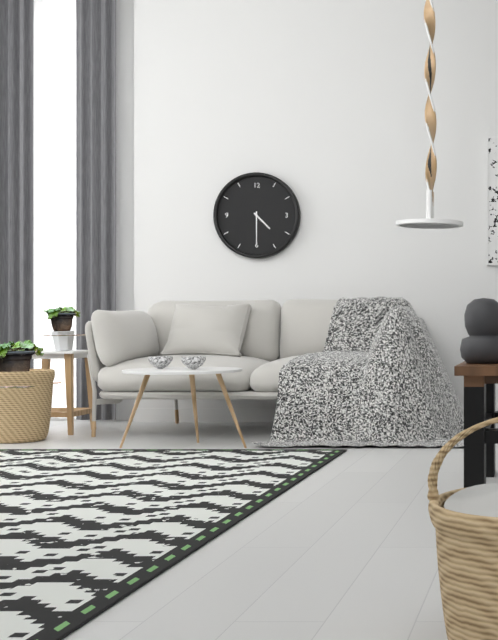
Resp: 4.30
